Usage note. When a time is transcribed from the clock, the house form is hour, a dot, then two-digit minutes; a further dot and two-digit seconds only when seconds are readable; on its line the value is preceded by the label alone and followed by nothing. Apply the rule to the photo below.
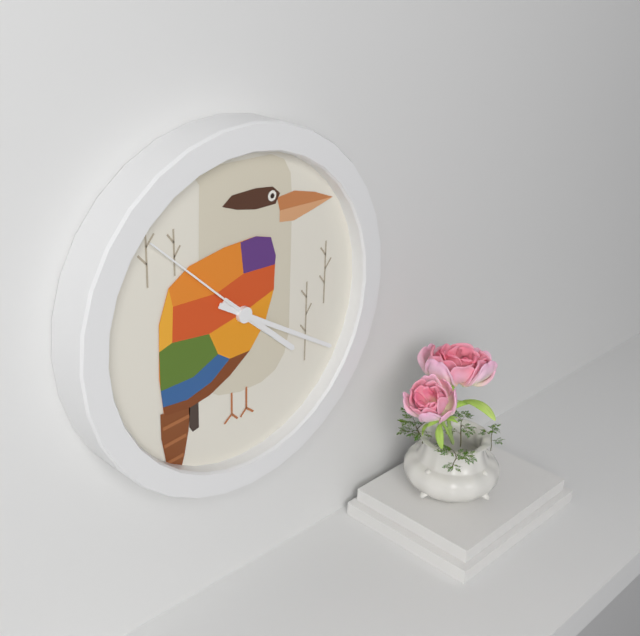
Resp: 4.20.52
